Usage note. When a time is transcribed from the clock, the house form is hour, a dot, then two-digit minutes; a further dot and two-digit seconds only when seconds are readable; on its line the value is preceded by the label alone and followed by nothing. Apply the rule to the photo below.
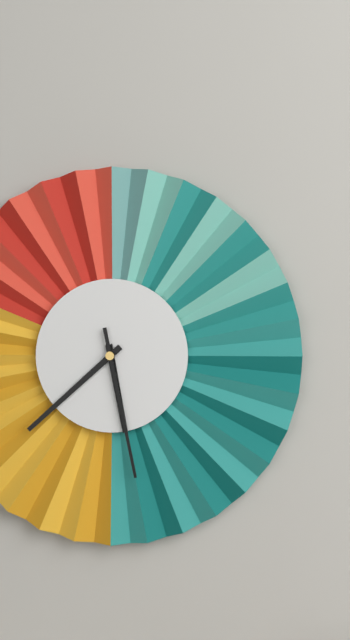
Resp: 5.38.28
